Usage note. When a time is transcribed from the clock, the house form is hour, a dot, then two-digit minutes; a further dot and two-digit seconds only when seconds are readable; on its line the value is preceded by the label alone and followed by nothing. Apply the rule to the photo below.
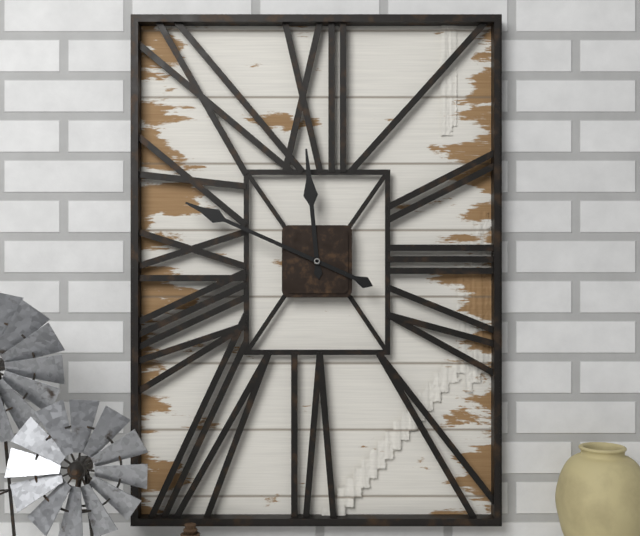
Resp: 11.49
